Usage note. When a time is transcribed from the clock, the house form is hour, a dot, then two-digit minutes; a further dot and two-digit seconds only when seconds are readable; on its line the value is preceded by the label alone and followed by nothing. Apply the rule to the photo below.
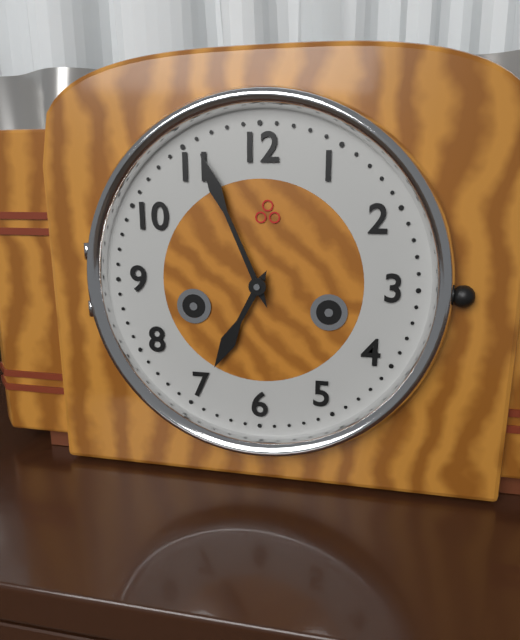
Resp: 6.56
